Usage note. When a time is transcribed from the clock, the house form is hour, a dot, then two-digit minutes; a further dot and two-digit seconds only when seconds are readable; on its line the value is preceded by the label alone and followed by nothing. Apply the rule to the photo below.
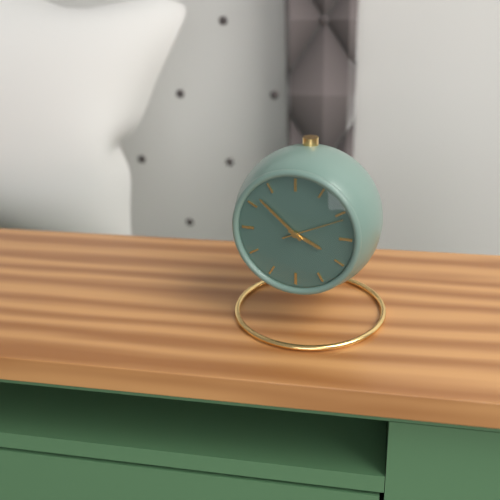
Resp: 3.52
